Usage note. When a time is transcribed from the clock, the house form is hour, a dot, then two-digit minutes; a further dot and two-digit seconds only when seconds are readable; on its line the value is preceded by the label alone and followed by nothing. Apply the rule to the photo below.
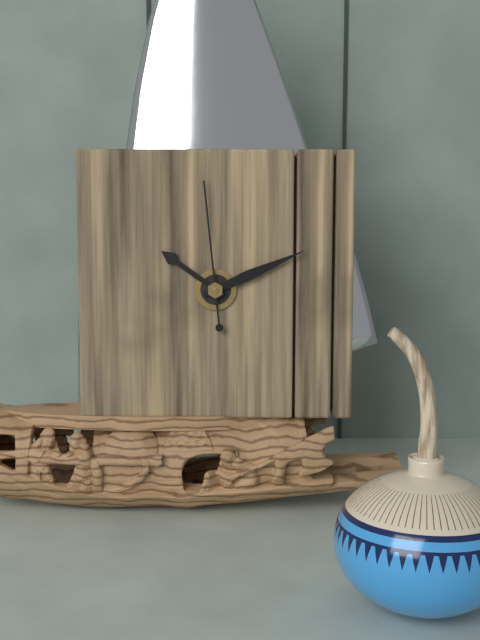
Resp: 10.11.59
